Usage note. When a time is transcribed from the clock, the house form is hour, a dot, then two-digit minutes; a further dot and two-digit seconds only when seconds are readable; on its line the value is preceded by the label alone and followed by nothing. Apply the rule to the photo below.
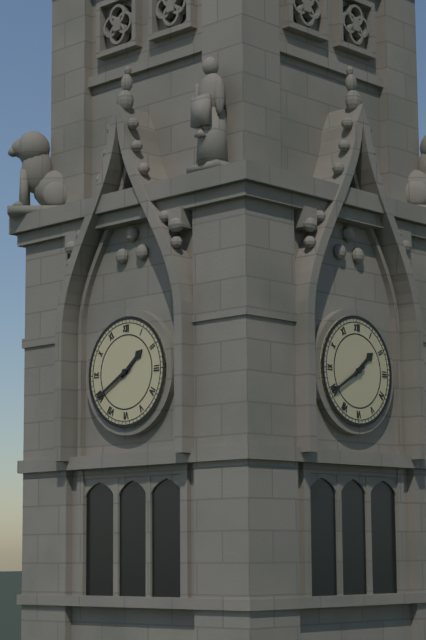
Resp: 1.40
